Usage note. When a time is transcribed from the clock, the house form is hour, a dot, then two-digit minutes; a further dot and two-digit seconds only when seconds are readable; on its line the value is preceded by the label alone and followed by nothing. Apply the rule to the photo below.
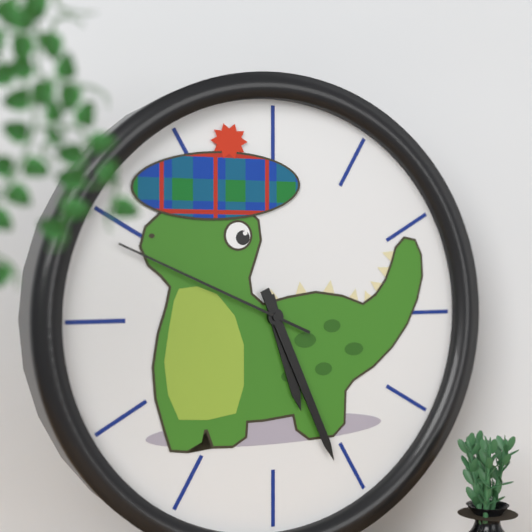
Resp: 5.26.49
